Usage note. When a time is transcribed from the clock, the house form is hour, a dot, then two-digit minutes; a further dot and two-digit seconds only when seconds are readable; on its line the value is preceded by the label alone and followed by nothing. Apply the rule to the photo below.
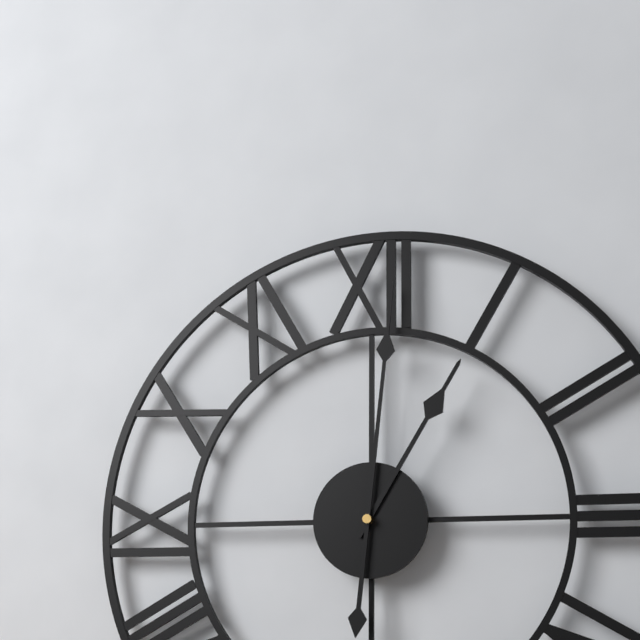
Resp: 1.01
